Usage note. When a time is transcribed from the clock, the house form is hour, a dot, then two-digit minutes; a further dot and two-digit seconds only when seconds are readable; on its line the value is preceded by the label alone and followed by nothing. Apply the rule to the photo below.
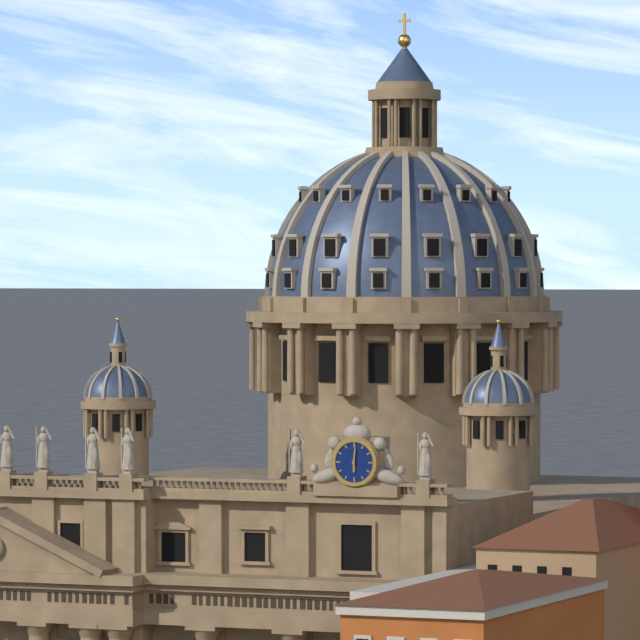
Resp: 6.01
